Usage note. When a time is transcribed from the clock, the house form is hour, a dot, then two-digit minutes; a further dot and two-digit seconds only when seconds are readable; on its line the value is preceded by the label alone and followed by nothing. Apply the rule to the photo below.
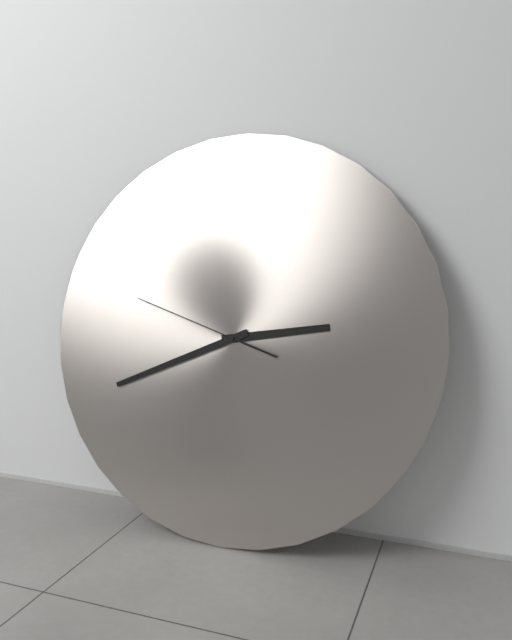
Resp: 2.41.48
